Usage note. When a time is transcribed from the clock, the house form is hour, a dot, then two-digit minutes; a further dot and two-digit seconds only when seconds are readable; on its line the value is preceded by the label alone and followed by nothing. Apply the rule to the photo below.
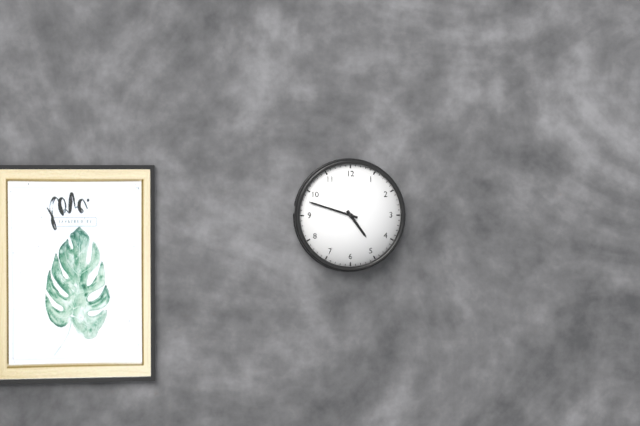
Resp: 4.48
